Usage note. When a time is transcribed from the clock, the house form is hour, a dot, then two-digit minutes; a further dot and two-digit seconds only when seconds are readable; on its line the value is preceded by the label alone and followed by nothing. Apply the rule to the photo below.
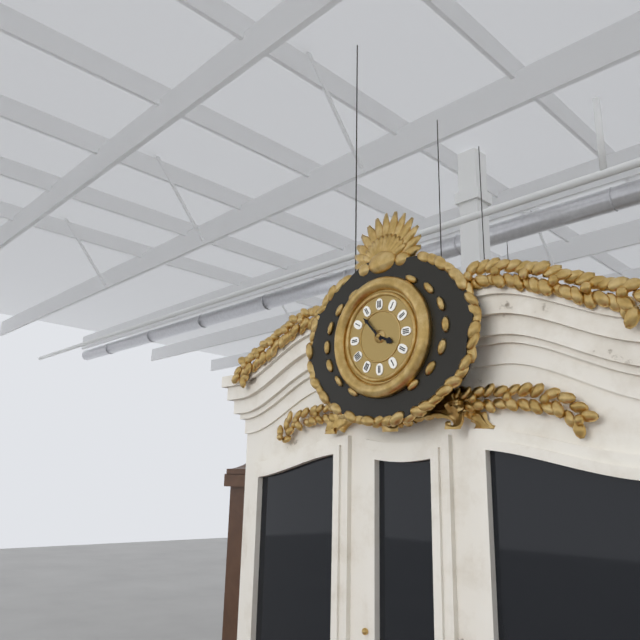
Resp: 3.53
